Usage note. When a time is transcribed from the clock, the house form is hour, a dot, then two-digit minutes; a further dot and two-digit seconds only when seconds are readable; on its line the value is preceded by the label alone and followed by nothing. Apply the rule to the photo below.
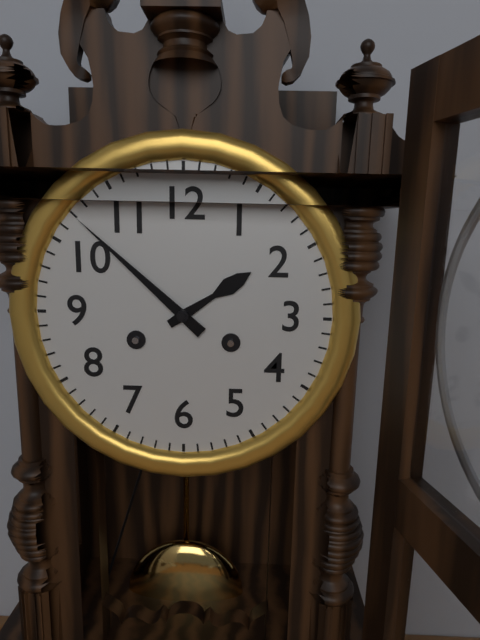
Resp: 1.52
